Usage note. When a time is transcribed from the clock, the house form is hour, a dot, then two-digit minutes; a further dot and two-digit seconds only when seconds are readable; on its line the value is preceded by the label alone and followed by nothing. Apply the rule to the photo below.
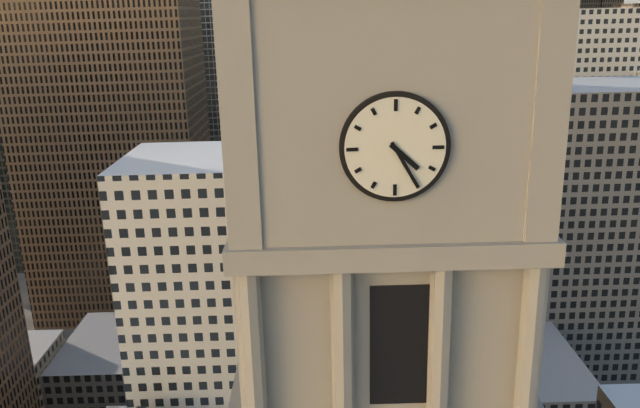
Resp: 4.25
